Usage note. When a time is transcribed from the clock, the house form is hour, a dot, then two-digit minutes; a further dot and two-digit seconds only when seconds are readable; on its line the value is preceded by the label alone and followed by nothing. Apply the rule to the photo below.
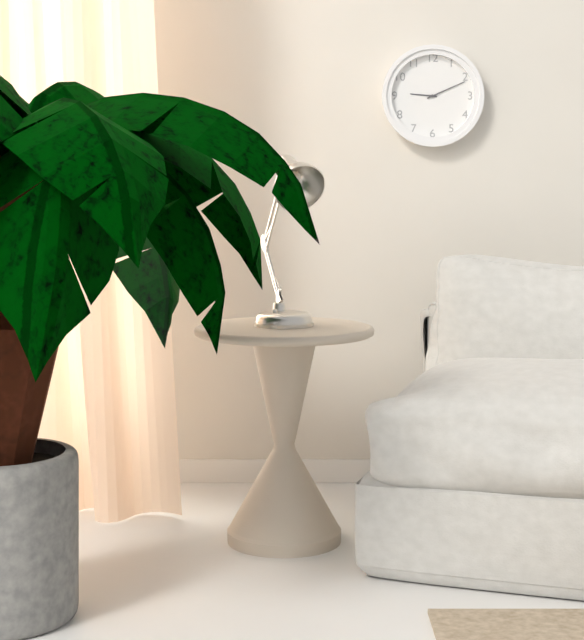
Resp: 9.11
